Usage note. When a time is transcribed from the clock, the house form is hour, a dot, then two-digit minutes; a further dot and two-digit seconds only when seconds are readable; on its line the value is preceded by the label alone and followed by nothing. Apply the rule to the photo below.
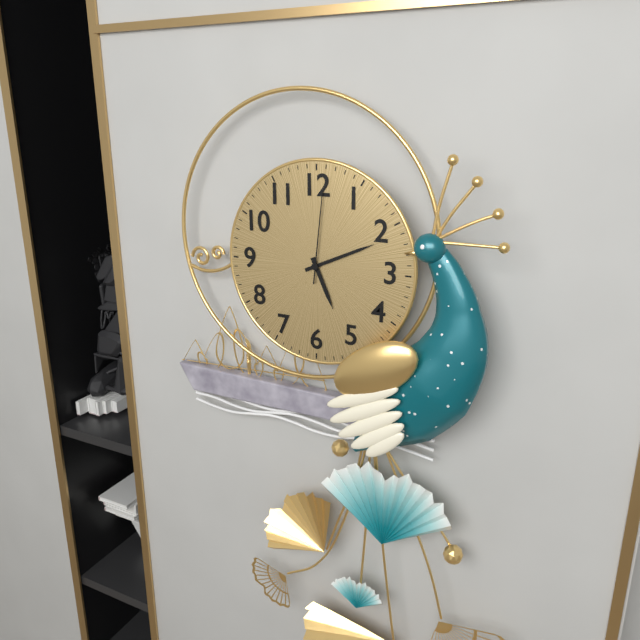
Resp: 5.11.01
